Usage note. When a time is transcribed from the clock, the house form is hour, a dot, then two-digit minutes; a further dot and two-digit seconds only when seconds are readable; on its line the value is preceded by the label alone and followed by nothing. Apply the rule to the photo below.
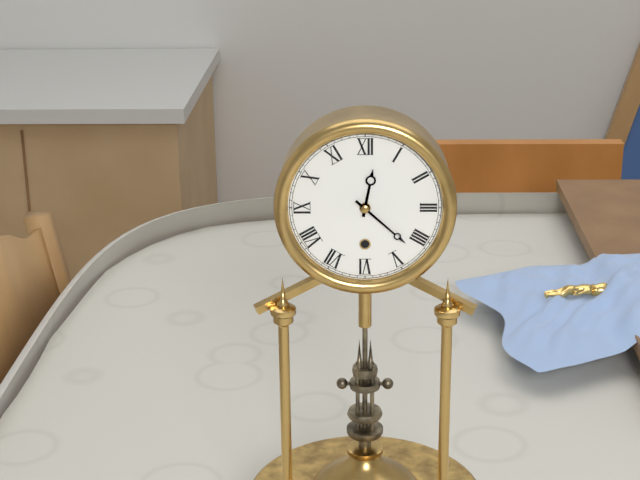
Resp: 12.22
